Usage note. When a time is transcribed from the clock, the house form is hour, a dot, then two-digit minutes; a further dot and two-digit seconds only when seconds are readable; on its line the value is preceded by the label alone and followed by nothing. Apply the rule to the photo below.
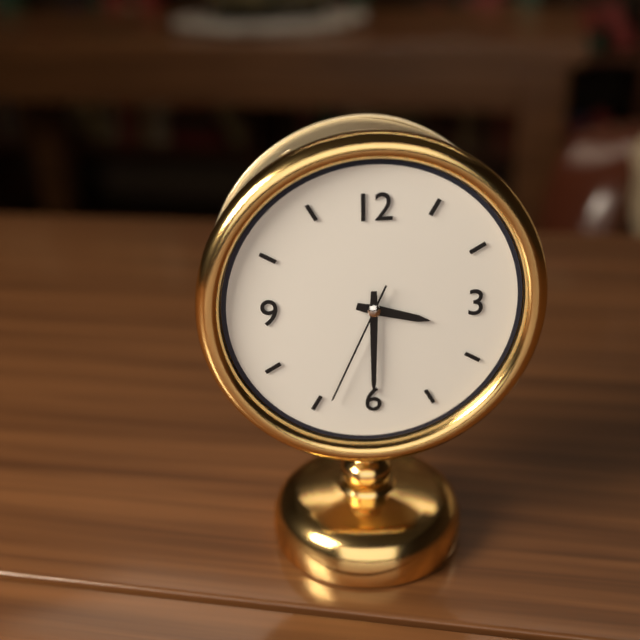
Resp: 3.30.34
